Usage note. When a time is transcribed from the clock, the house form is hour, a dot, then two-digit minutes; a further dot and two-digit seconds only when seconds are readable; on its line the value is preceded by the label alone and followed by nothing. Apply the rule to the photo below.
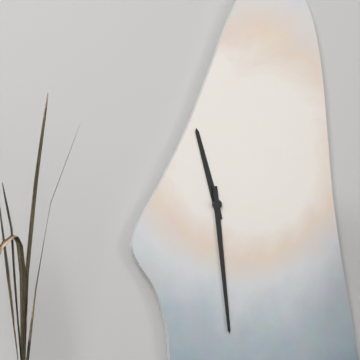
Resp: 11.29
